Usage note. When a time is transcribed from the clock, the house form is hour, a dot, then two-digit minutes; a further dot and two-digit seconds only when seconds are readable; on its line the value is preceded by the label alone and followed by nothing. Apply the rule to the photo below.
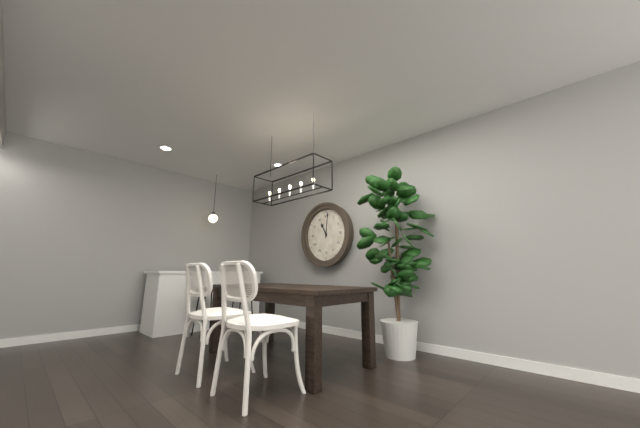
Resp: 11.01
